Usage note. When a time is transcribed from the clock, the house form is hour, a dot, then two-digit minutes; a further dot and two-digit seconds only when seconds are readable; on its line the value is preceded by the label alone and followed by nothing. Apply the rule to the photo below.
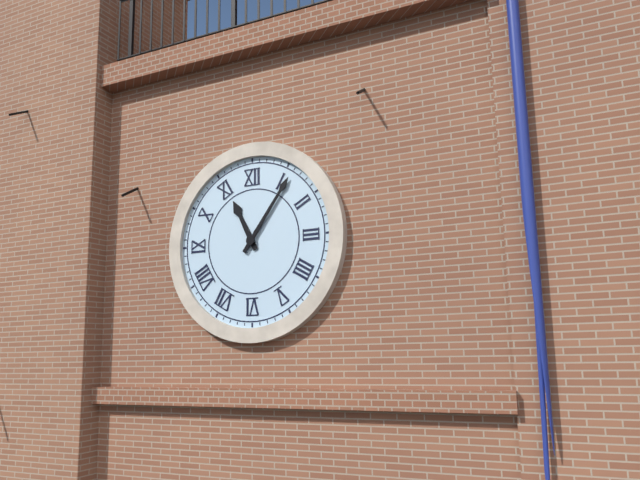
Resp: 11.06
